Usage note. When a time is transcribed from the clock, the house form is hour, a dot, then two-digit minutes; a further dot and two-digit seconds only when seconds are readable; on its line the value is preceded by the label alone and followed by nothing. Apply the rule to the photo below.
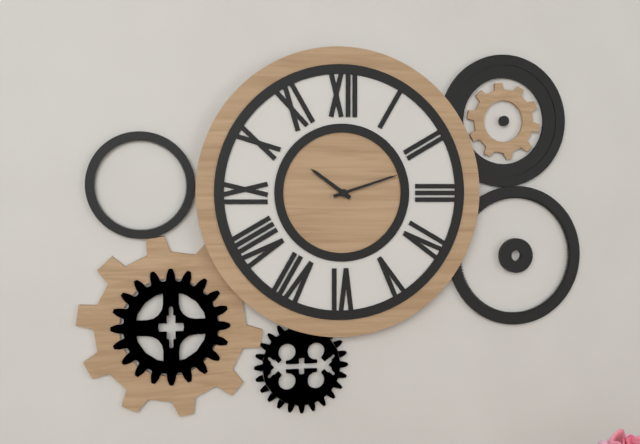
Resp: 10.12
